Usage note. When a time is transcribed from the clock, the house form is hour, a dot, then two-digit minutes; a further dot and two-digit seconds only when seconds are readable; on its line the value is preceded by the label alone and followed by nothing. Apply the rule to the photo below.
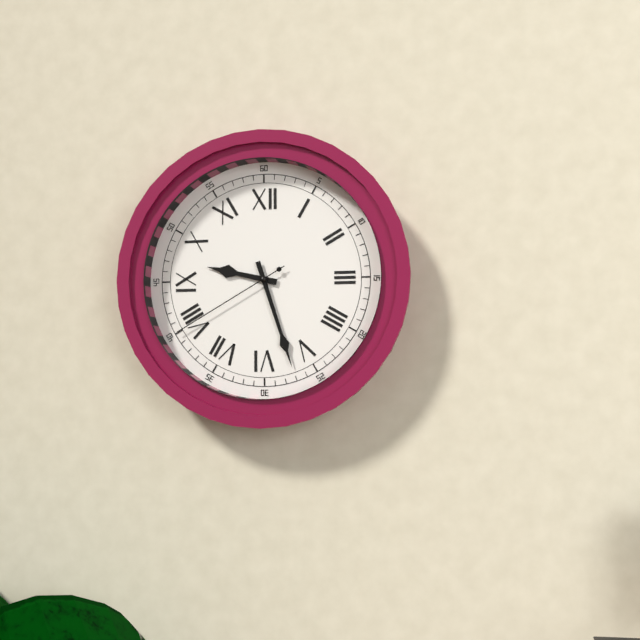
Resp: 9.27.40
